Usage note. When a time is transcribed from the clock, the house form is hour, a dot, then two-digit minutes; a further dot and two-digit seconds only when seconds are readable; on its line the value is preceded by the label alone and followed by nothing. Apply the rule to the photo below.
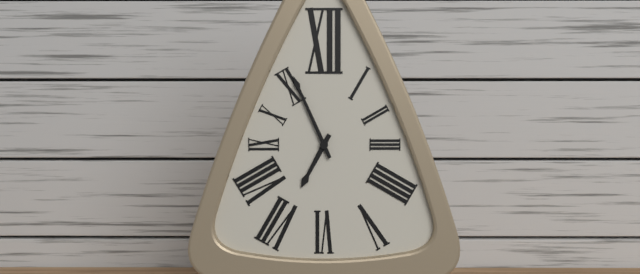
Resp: 6.56
